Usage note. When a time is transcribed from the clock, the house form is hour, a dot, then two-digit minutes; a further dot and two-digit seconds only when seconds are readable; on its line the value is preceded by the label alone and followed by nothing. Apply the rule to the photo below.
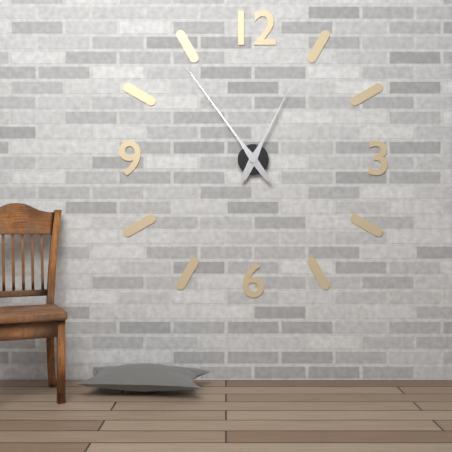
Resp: 12.54
